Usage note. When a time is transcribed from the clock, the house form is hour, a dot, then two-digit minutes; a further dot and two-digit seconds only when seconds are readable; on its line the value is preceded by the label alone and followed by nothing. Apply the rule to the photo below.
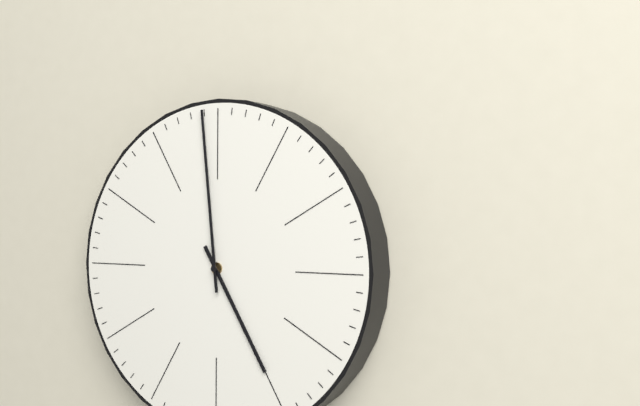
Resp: 4.59
